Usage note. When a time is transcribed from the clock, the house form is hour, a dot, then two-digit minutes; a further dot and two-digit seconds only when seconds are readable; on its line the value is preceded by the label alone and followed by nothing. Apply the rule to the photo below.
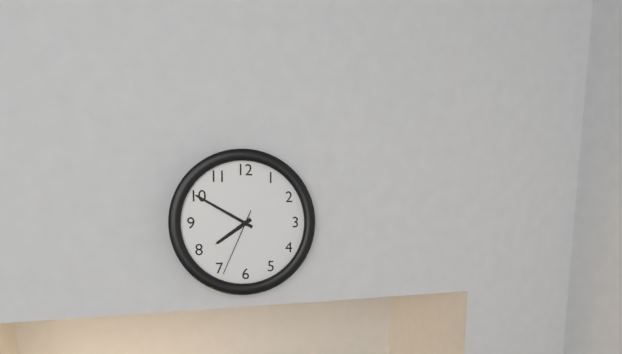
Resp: 7.50.34
